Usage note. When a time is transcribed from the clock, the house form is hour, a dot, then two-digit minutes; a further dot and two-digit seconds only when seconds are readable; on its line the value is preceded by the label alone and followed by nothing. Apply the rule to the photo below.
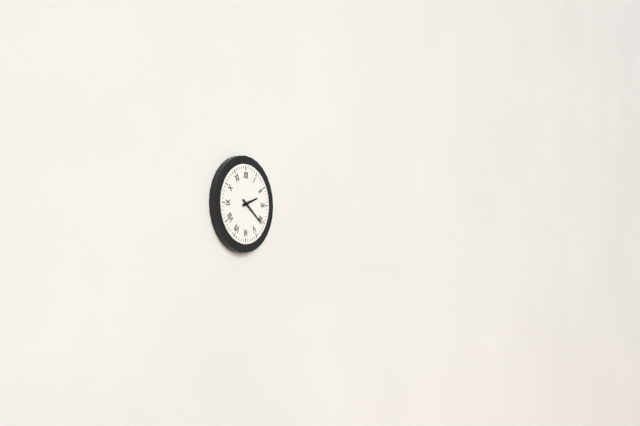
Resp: 2.21
